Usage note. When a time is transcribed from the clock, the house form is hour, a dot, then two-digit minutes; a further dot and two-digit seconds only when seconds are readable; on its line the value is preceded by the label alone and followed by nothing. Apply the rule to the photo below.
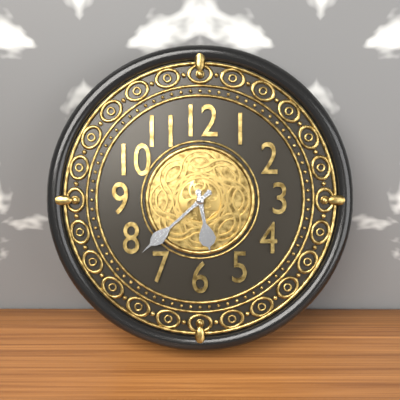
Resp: 5.38
